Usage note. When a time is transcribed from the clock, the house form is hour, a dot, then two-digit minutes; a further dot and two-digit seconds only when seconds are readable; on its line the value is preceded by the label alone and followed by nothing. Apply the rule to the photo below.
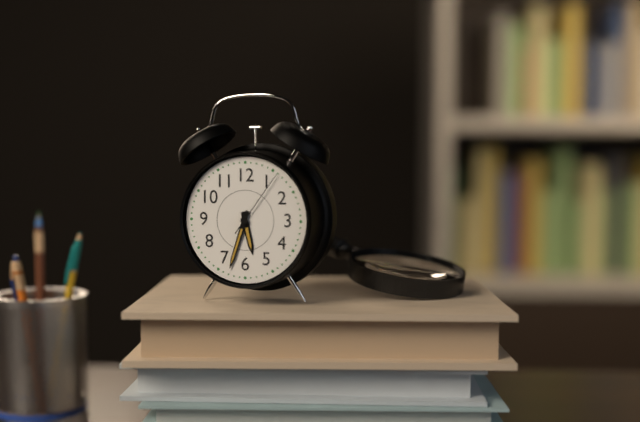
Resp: 5.33.06
